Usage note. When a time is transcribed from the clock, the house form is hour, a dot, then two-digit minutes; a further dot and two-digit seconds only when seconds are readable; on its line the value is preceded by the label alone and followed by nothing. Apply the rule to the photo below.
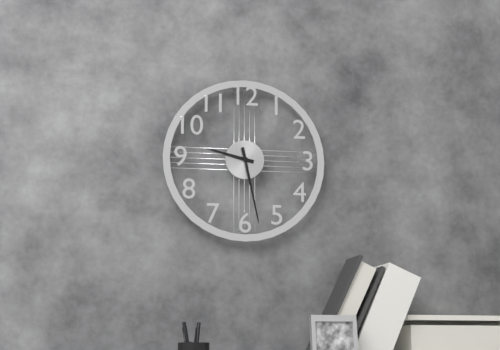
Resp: 9.28
